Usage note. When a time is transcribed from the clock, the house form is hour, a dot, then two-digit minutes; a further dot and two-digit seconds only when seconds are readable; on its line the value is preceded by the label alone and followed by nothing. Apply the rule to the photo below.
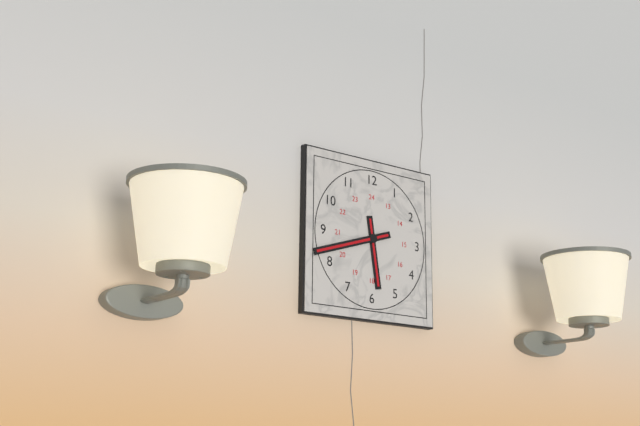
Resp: 5.42
